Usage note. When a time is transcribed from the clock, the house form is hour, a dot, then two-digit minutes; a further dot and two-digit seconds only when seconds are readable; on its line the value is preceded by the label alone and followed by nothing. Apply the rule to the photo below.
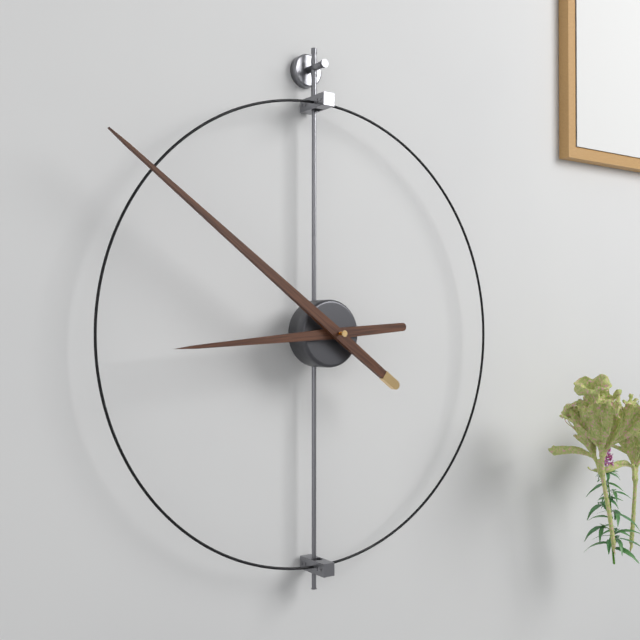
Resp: 8.51
